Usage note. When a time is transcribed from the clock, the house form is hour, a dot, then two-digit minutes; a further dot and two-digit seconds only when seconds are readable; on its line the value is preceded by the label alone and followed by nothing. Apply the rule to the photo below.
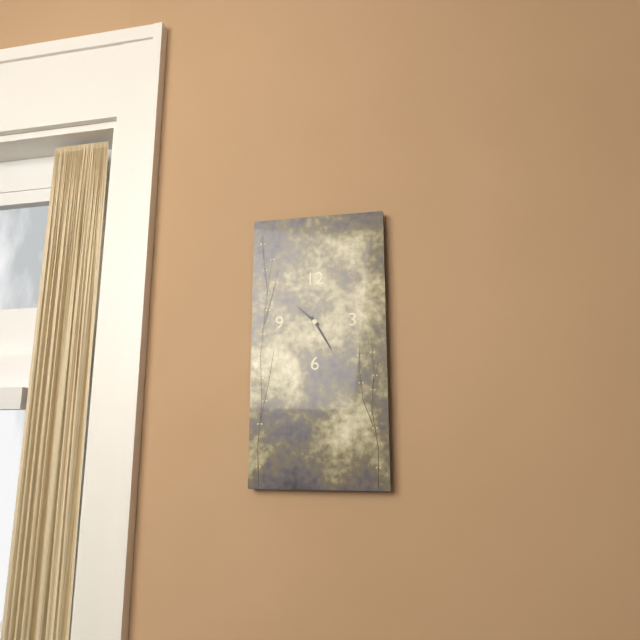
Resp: 10.25
